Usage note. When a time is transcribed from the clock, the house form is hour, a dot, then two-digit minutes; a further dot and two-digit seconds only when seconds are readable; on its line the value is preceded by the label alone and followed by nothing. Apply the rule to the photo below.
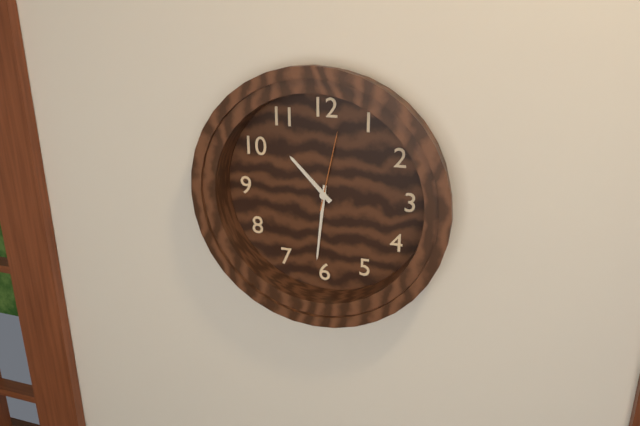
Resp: 10.31.02
